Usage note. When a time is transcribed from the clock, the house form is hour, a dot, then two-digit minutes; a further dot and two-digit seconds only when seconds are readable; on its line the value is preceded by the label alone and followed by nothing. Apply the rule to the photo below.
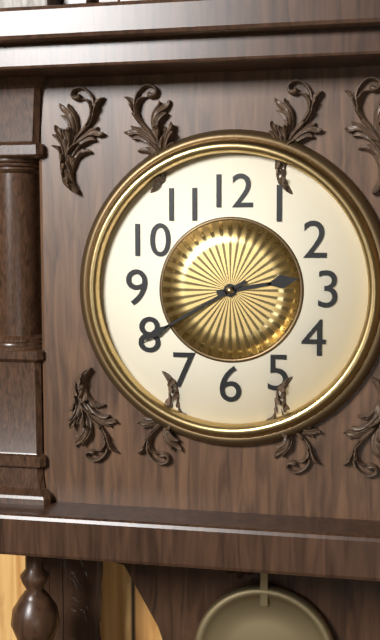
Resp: 2.40
